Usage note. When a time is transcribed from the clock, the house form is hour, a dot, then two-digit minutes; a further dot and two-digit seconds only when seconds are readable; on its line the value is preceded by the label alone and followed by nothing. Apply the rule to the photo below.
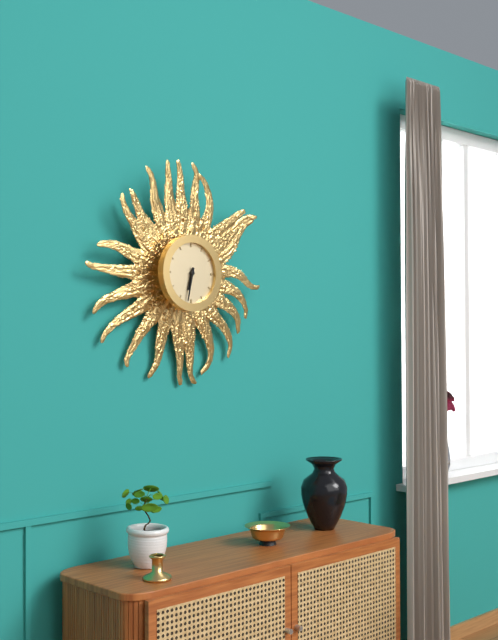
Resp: 6.32
